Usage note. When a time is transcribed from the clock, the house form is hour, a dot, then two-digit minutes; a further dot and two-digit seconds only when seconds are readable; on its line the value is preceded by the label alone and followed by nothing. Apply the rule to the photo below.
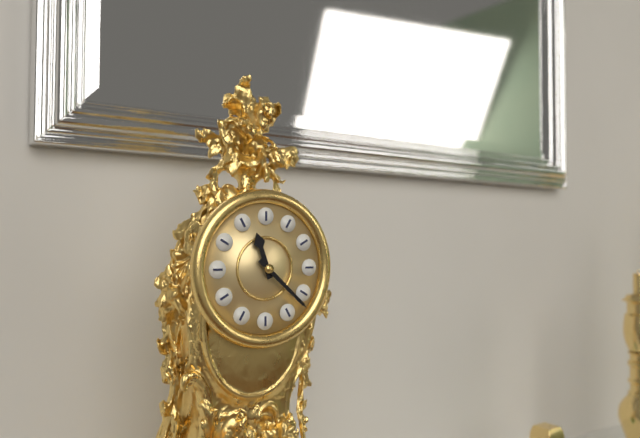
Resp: 11.22
